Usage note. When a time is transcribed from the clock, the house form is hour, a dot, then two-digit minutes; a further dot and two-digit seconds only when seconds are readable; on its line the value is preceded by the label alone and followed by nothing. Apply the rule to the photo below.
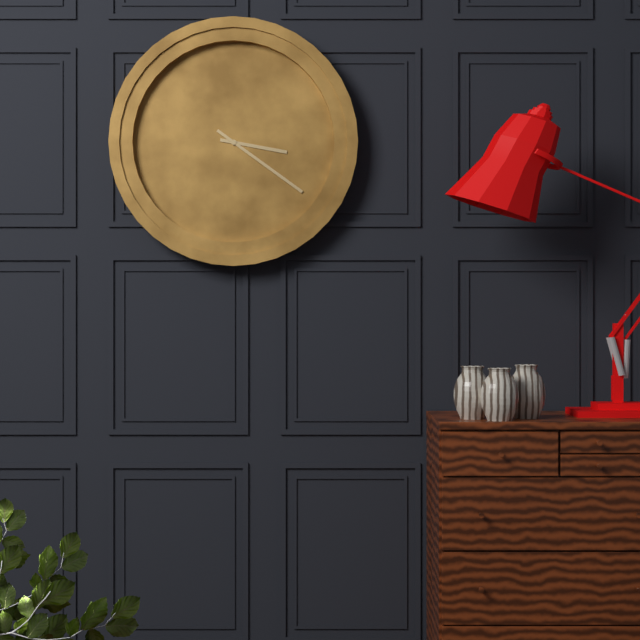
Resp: 3.21
